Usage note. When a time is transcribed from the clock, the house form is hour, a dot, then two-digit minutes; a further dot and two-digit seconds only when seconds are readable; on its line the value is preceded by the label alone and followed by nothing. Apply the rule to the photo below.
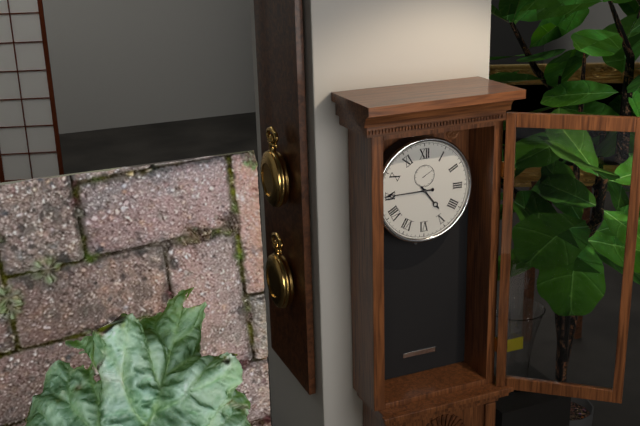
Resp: 4.45
